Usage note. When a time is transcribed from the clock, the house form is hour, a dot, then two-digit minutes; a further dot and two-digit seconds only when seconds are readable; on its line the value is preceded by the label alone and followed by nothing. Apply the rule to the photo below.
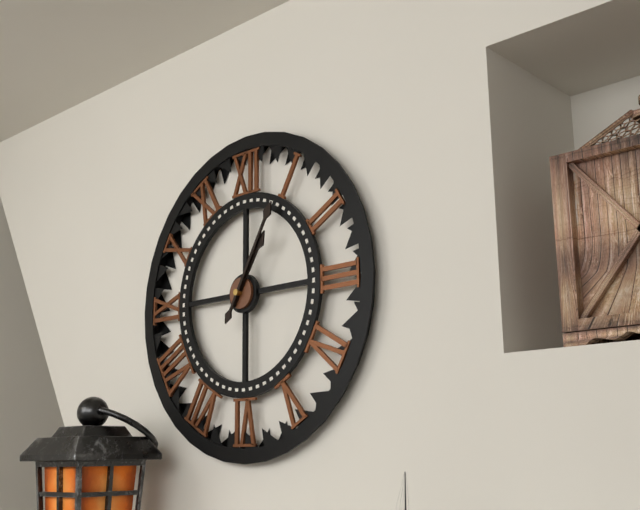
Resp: 1.05
